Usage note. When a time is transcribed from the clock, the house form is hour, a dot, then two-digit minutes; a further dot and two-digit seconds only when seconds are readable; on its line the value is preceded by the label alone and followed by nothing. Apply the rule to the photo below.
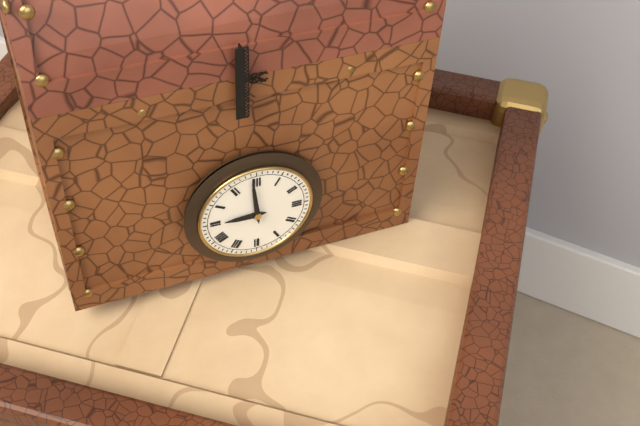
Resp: 8.59
